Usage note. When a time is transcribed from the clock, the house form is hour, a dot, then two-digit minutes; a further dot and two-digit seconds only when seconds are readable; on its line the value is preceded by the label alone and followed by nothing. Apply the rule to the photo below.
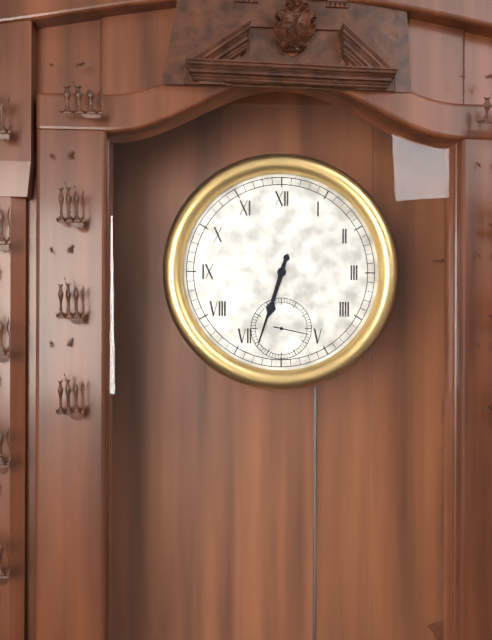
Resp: 6.33
